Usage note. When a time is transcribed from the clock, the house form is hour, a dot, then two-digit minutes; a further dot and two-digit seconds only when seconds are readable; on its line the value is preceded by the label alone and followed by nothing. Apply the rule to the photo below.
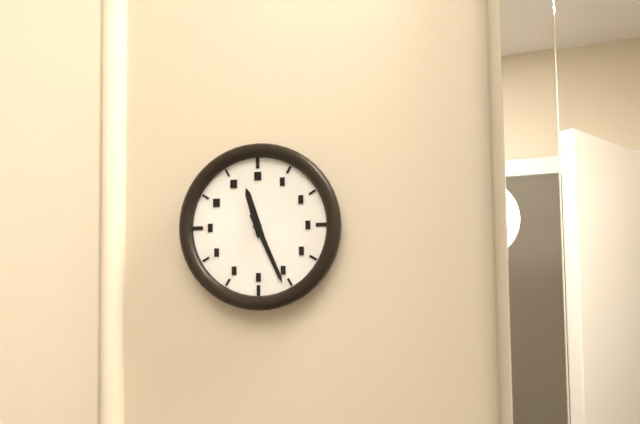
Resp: 11.26
